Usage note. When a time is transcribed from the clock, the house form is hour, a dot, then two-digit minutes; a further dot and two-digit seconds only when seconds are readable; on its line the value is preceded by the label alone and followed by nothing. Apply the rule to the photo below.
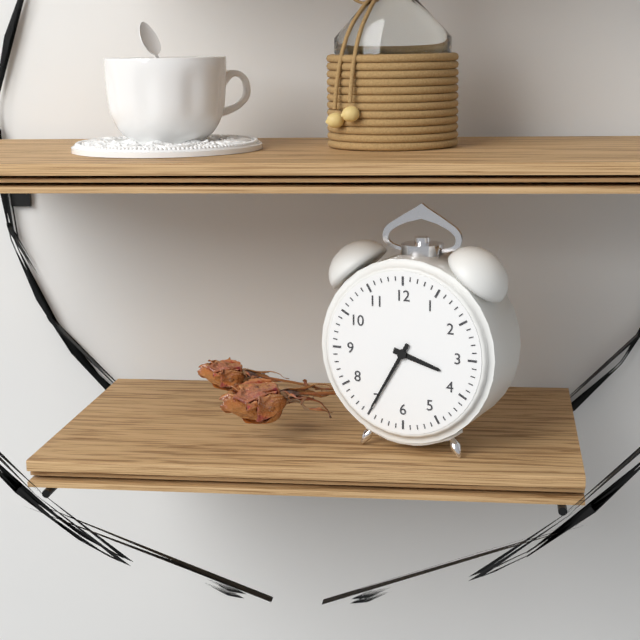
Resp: 3.35
